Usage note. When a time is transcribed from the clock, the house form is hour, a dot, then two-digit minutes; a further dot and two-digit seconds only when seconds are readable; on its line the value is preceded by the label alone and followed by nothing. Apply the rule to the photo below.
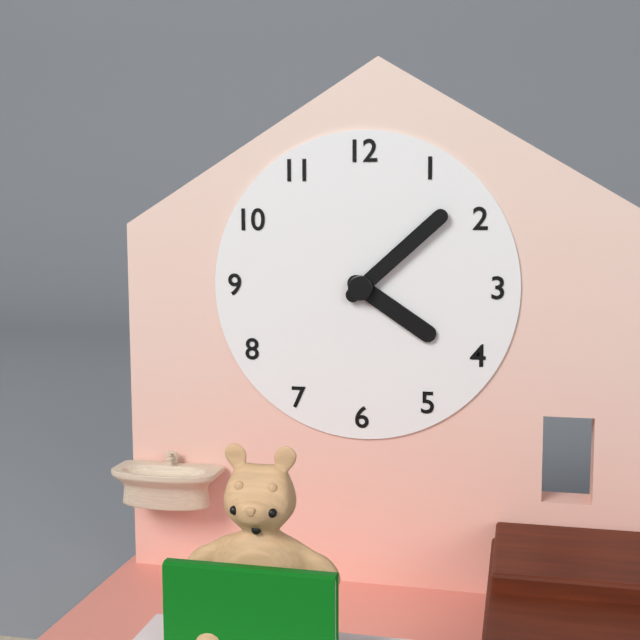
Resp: 4.08
